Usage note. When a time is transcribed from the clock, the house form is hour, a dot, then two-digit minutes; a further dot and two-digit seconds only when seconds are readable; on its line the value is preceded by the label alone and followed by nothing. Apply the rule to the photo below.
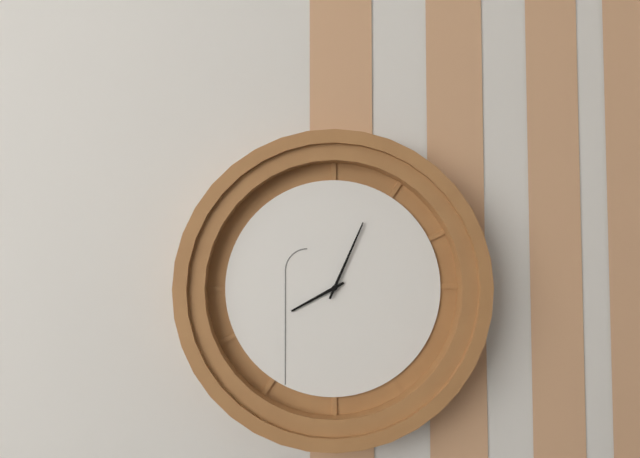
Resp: 8.04
